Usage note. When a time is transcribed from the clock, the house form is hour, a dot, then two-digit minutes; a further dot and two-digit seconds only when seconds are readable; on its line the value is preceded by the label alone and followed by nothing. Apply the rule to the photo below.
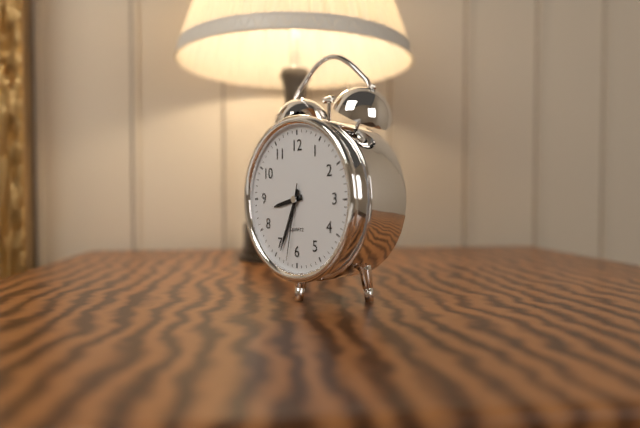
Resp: 8.34.32
